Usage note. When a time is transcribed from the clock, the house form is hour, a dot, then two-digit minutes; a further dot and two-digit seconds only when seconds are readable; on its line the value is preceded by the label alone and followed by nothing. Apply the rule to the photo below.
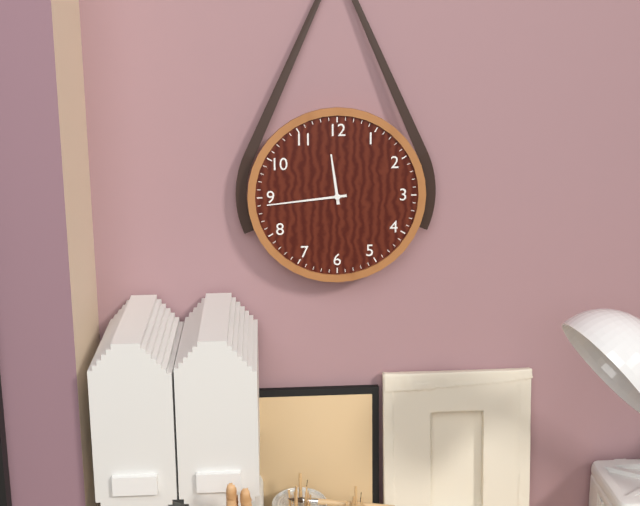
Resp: 11.44
